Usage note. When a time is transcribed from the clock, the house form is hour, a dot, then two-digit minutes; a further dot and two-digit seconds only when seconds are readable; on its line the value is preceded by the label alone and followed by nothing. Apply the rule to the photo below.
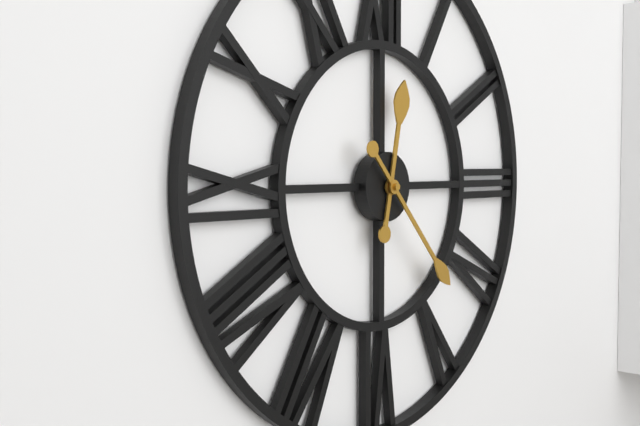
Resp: 12.23
